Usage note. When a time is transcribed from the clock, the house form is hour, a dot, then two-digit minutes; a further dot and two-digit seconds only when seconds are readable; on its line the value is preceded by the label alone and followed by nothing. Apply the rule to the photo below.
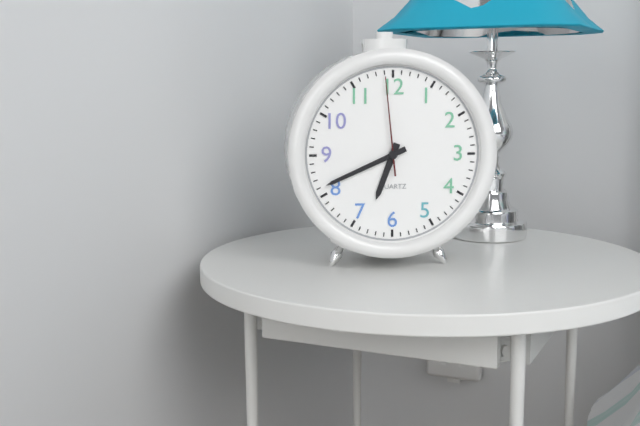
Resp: 6.41.59
